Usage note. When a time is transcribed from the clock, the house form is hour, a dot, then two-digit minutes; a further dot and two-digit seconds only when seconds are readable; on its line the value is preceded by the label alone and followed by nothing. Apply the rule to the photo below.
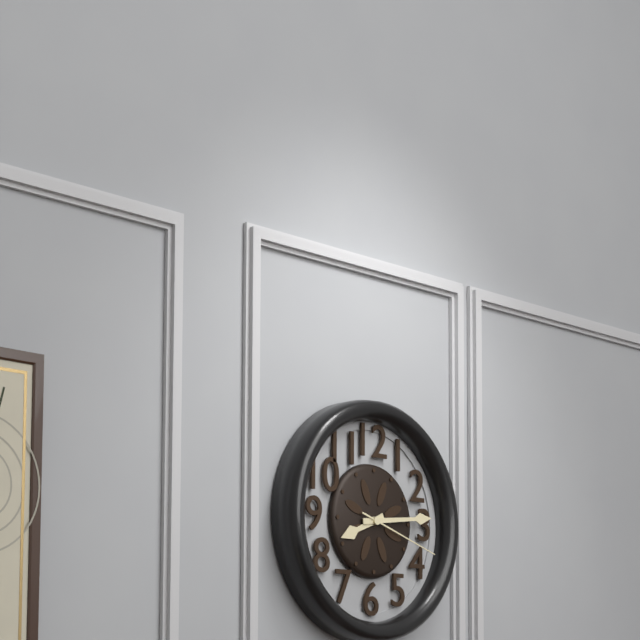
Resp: 8.14.18
